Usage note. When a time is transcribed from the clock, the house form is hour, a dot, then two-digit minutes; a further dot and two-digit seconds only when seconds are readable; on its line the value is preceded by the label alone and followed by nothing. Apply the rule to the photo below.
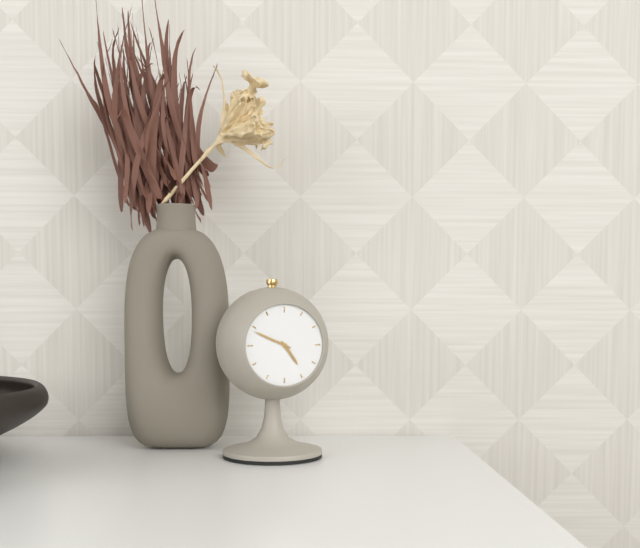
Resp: 4.49
